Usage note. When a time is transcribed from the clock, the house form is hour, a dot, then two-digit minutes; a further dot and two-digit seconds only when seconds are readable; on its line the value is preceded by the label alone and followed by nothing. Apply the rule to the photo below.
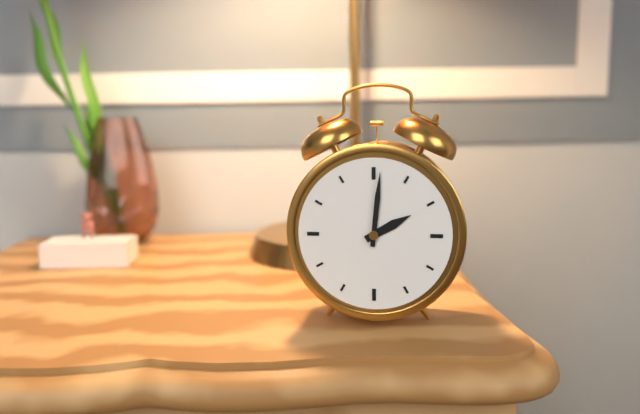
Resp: 2.01
